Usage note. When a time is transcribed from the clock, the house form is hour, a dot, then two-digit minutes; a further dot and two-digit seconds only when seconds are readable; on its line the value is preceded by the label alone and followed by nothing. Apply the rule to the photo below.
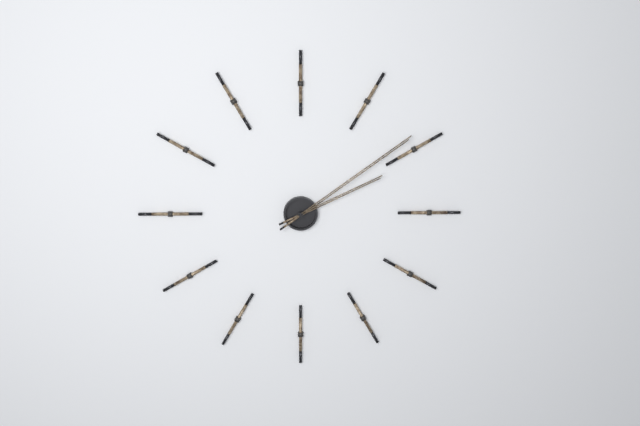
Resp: 2.09
